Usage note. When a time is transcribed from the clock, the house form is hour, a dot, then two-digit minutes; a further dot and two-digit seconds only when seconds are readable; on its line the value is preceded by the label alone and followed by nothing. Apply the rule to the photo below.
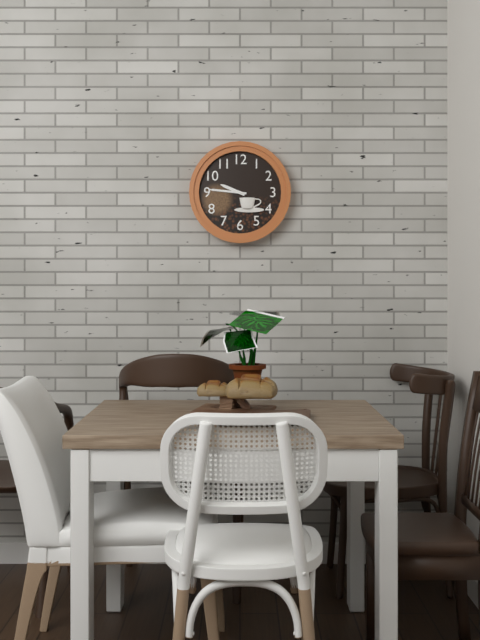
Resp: 9.46
